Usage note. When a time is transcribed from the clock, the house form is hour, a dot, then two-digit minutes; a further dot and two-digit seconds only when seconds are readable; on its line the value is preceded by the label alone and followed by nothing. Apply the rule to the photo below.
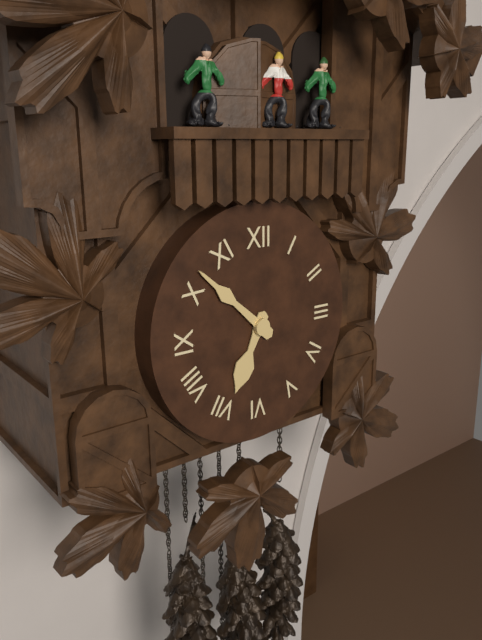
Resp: 6.52
